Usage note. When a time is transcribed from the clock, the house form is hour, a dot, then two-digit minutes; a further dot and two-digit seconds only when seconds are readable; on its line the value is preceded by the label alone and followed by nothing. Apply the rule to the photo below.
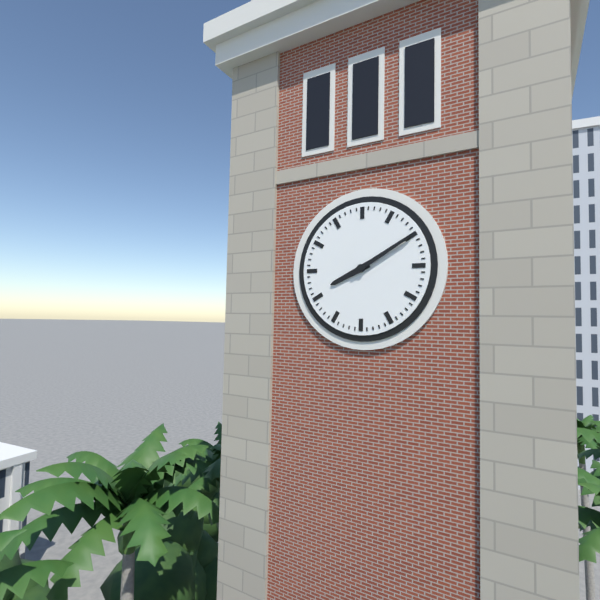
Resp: 8.10
